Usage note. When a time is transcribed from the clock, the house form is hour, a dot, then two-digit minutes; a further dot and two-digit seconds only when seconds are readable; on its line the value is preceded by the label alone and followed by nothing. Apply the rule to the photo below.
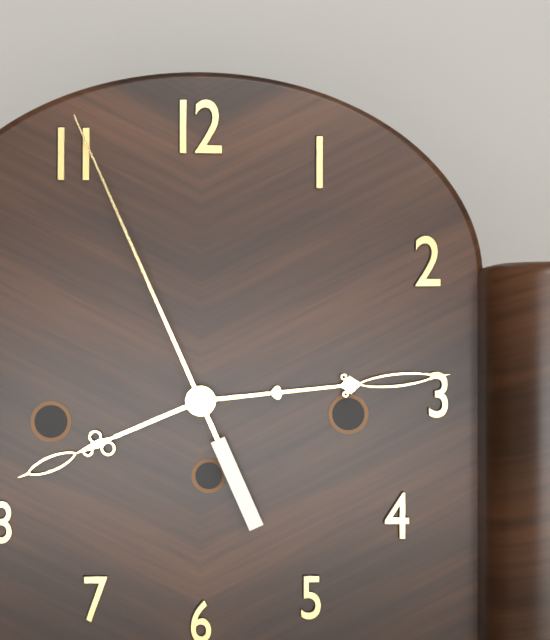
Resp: 8.14.56
